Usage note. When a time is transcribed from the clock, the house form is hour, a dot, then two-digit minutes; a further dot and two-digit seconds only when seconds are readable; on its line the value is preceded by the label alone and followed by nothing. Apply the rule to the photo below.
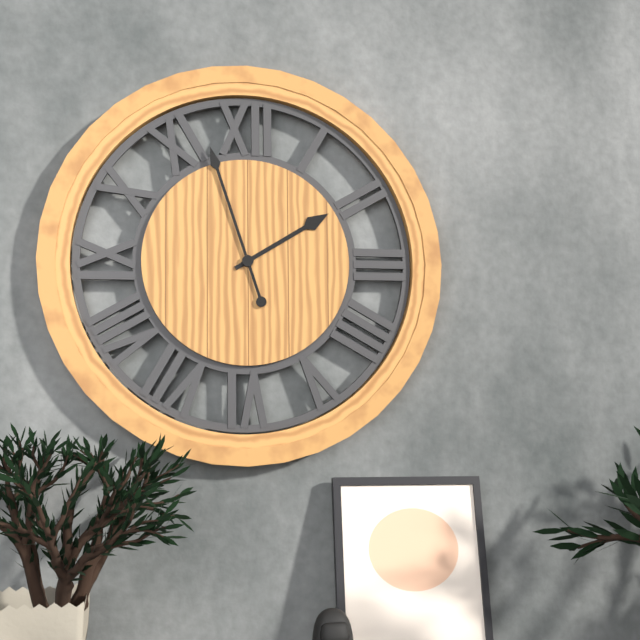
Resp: 1.57
